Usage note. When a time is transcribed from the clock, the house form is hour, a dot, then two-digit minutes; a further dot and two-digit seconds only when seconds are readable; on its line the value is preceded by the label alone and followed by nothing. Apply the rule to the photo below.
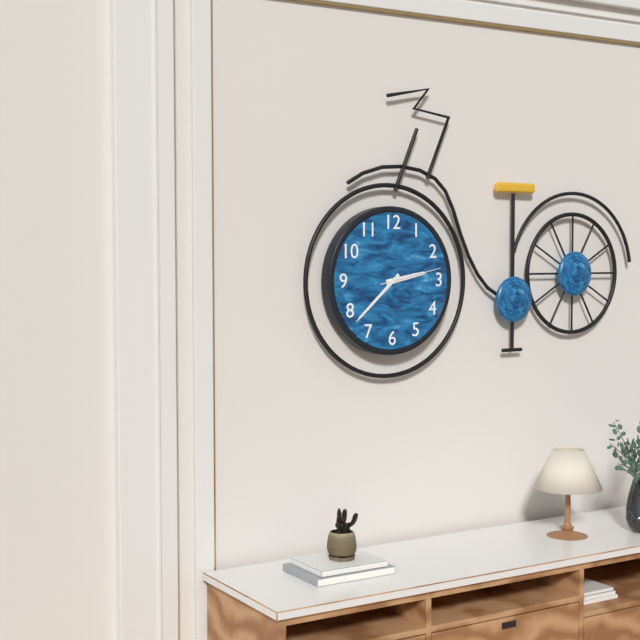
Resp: 2.38.13
